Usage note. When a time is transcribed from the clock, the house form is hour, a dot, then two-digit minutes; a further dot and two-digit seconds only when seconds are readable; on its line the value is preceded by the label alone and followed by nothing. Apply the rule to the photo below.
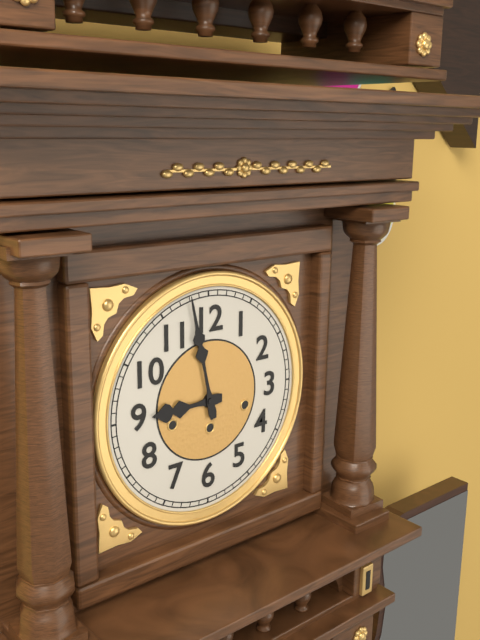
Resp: 8.58
